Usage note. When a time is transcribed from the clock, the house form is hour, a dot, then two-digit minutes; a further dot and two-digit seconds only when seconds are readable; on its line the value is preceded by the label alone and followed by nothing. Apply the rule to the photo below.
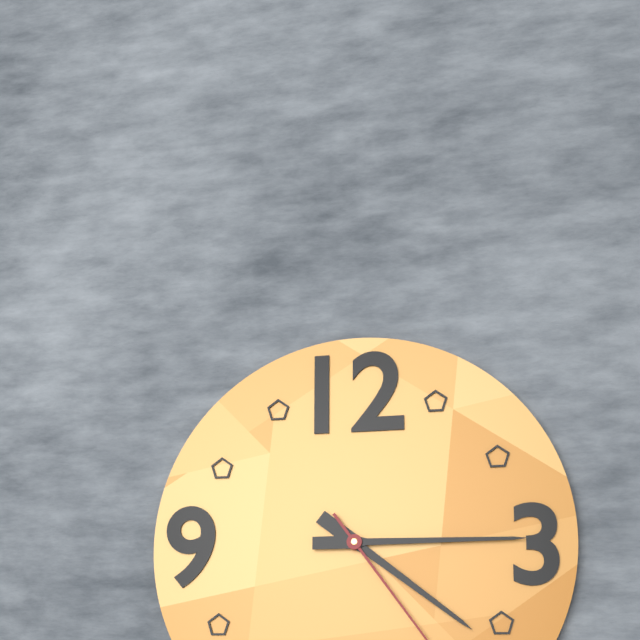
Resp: 4.15
